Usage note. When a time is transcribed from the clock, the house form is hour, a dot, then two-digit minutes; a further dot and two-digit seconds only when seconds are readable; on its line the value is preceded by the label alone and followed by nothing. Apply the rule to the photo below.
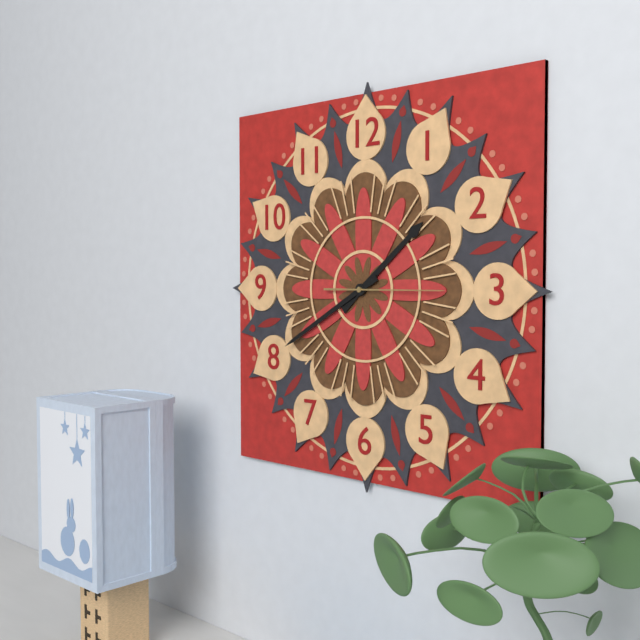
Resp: 1.40.15
